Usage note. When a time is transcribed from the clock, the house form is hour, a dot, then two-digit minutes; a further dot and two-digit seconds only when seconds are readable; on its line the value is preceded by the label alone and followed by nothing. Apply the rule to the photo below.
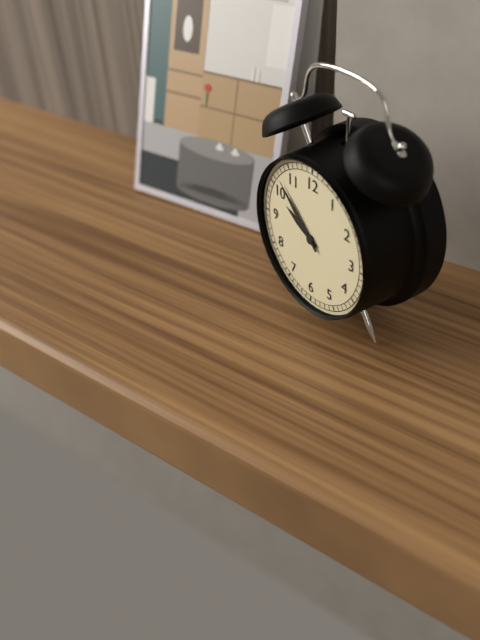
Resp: 9.52
